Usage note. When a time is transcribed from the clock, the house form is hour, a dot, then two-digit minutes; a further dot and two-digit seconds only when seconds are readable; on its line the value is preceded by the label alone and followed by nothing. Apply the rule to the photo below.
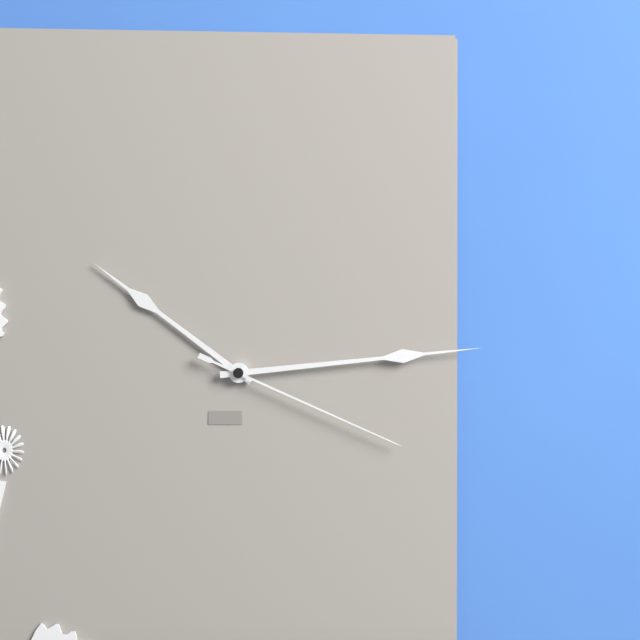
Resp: 10.14.19
